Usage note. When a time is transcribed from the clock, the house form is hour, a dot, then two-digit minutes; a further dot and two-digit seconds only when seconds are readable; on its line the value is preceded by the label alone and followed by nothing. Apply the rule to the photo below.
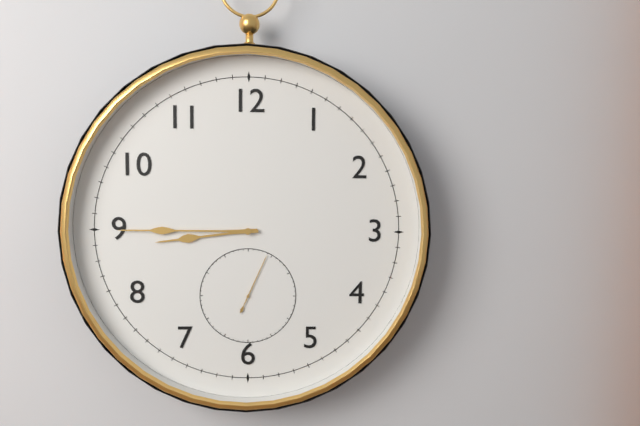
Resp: 8.45.04
